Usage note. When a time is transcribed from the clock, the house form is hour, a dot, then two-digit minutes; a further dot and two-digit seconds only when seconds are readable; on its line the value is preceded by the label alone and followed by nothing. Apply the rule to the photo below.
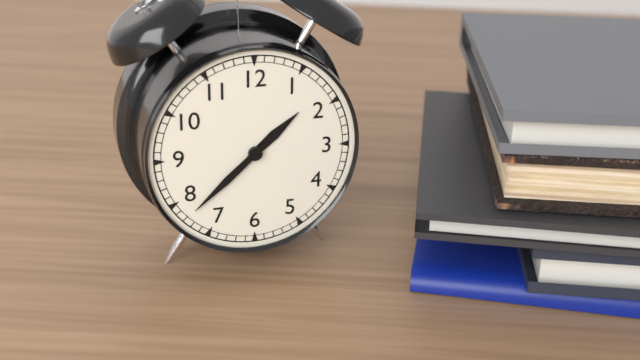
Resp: 1.38
